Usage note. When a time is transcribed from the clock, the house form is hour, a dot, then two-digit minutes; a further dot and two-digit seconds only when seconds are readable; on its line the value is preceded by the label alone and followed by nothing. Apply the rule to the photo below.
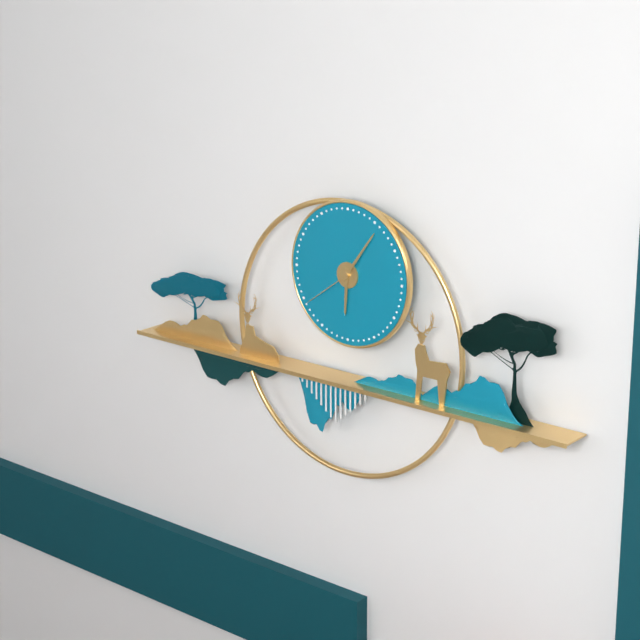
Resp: 6.06.39
